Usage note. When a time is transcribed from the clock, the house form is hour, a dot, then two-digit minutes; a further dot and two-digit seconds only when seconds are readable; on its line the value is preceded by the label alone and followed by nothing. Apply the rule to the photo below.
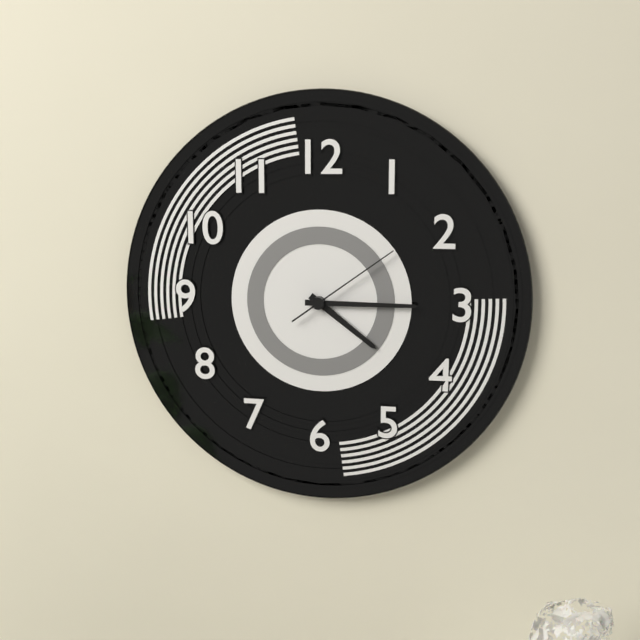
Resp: 4.15.09
